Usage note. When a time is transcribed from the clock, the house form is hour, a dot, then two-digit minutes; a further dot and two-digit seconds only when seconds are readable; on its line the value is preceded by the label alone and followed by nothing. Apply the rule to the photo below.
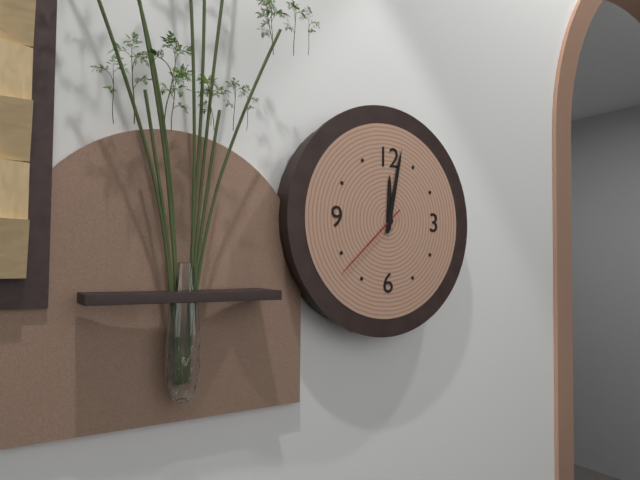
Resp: 12.02.38
